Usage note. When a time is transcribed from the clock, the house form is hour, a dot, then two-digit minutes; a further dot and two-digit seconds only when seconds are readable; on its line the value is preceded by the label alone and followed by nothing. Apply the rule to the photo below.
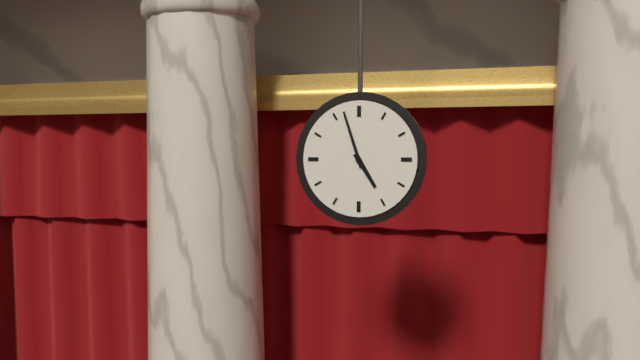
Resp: 4.57
